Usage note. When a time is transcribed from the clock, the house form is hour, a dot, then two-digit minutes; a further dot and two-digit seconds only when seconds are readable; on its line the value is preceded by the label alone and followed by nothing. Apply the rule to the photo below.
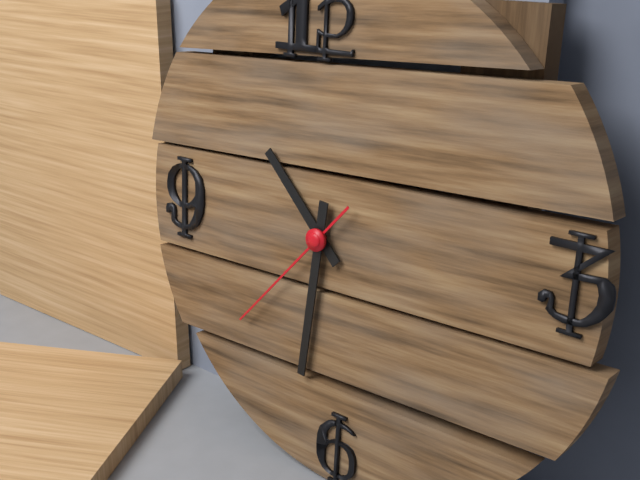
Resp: 10.31.37
